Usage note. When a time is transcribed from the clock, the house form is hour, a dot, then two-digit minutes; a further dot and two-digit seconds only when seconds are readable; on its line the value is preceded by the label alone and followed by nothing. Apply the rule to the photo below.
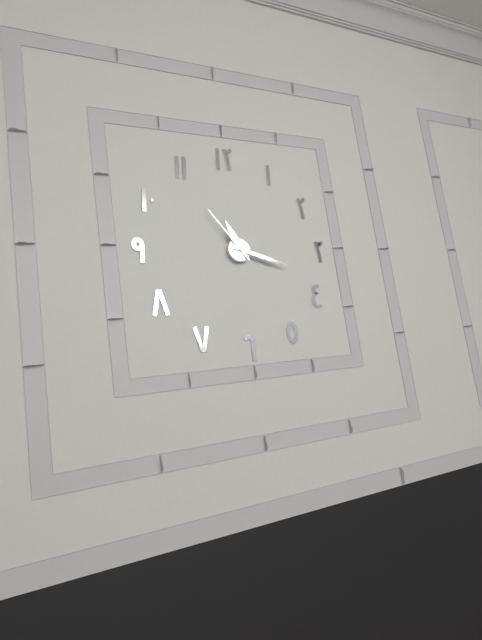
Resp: 11.18.54
